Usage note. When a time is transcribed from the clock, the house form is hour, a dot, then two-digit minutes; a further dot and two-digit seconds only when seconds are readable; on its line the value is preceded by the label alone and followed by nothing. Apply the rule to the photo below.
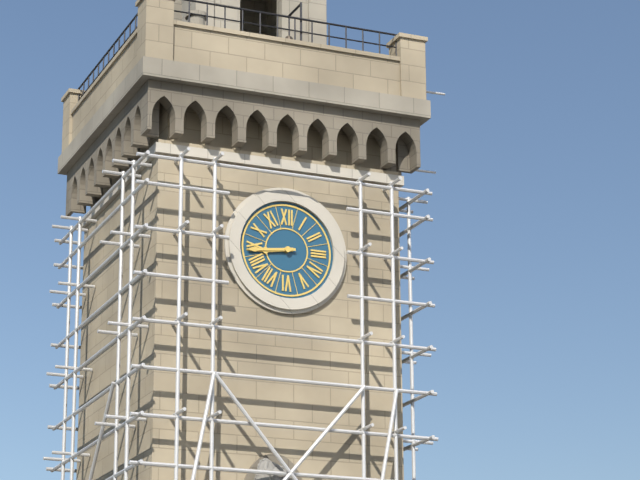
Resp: 8.44
